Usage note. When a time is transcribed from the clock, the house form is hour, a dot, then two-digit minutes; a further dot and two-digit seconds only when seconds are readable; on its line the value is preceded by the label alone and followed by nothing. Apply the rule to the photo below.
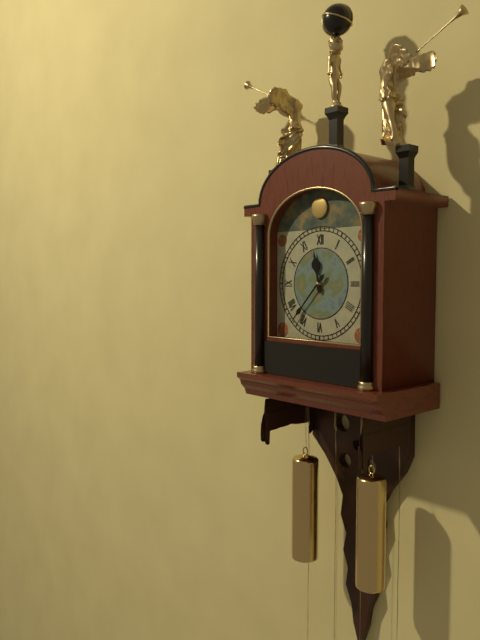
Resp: 11.37
